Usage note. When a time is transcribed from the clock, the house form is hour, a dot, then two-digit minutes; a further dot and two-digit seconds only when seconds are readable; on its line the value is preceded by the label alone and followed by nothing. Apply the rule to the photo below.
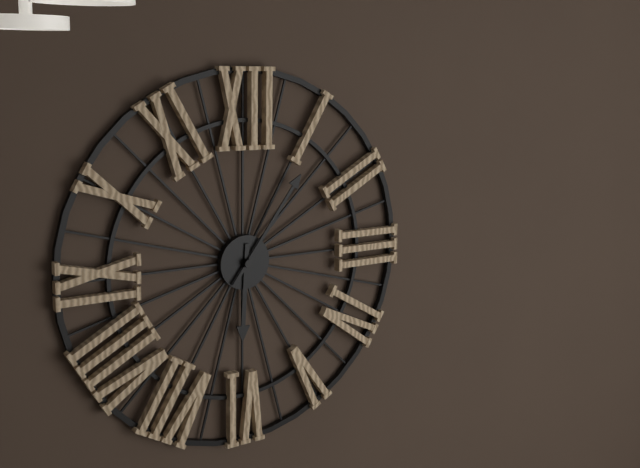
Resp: 6.06
